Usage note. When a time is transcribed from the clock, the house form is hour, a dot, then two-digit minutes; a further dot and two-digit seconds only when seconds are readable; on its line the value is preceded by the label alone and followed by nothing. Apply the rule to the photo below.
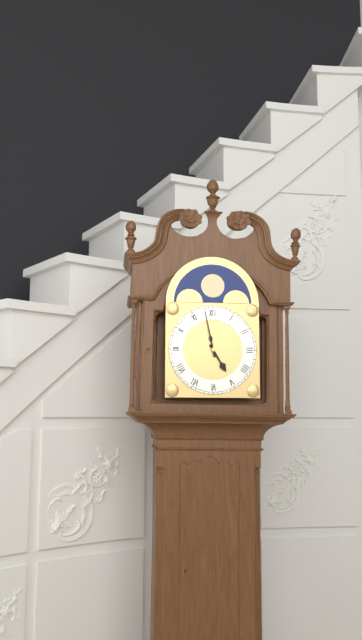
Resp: 4.58
